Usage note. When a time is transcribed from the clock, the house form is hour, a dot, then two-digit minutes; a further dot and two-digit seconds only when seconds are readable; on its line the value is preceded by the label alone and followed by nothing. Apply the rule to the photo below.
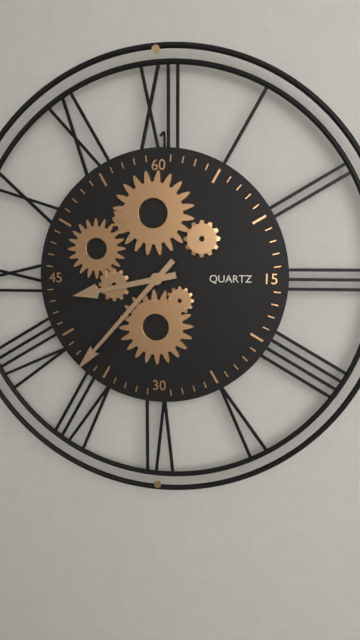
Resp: 8.37
